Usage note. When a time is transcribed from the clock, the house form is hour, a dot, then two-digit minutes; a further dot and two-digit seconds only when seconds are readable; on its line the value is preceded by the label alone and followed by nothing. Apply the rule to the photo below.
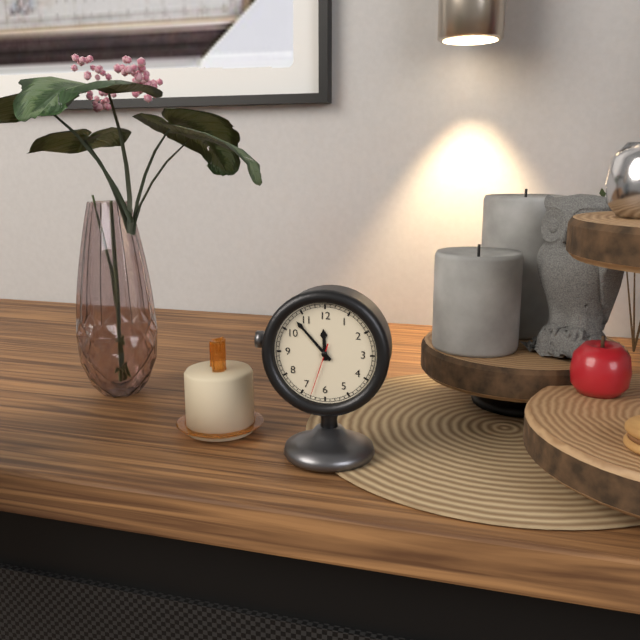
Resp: 11.53.33
